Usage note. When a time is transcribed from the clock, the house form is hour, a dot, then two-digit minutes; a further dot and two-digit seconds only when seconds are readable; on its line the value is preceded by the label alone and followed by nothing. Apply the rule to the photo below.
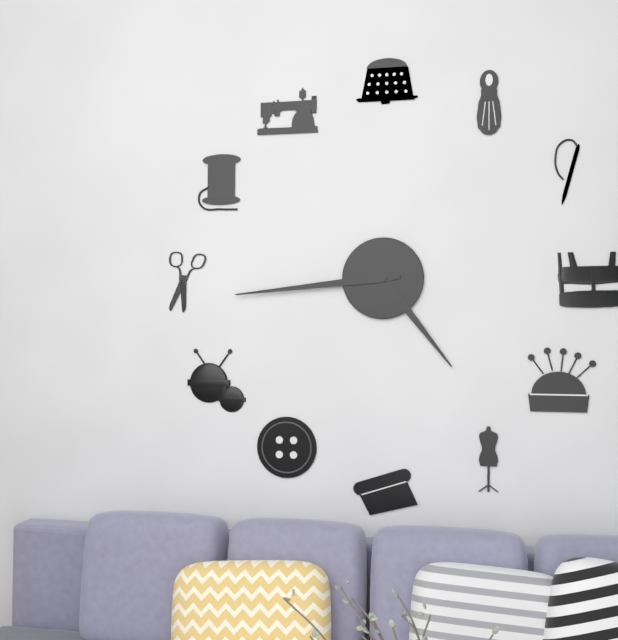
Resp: 4.44
